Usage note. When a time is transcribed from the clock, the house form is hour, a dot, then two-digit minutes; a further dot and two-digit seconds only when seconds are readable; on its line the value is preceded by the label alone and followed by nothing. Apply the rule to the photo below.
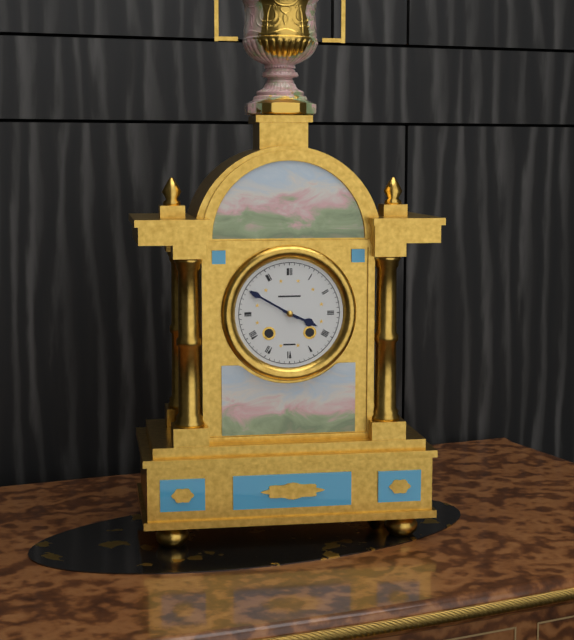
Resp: 3.50
